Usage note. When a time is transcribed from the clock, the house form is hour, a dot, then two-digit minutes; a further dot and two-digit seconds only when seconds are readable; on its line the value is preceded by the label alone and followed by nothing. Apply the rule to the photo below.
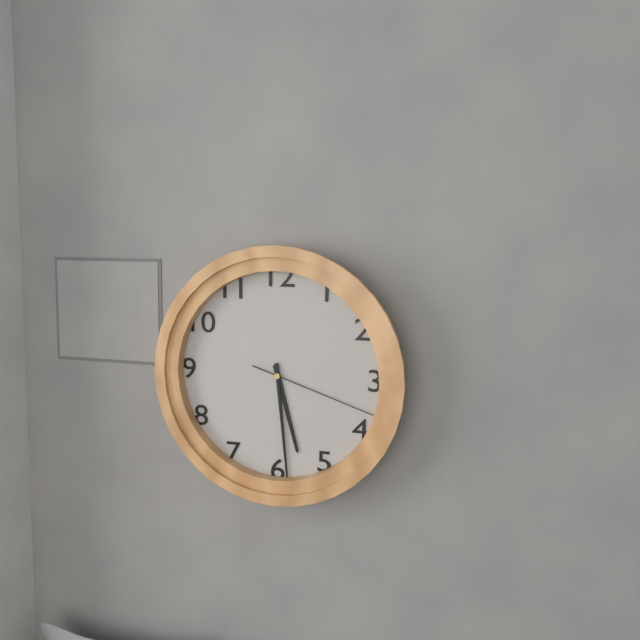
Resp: 5.29.18
